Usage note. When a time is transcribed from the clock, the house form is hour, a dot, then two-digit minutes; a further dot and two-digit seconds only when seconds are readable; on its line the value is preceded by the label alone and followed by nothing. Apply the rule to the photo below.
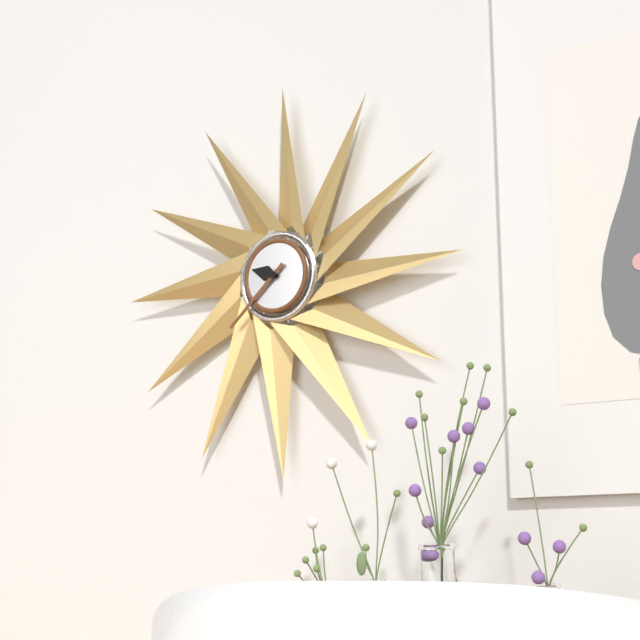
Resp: 9.38
